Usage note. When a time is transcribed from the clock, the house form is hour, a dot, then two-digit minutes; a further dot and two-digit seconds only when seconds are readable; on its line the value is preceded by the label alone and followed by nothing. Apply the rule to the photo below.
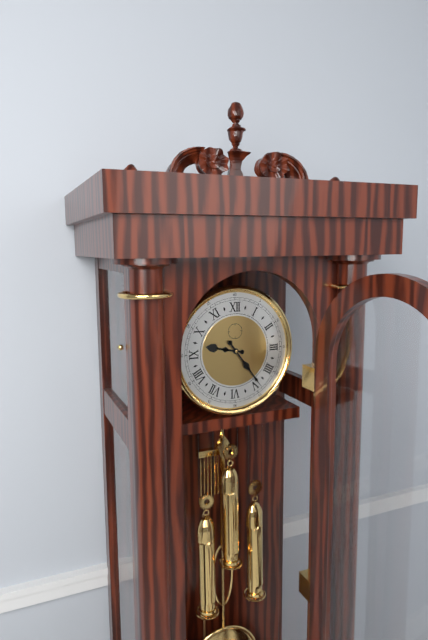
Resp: 9.24
